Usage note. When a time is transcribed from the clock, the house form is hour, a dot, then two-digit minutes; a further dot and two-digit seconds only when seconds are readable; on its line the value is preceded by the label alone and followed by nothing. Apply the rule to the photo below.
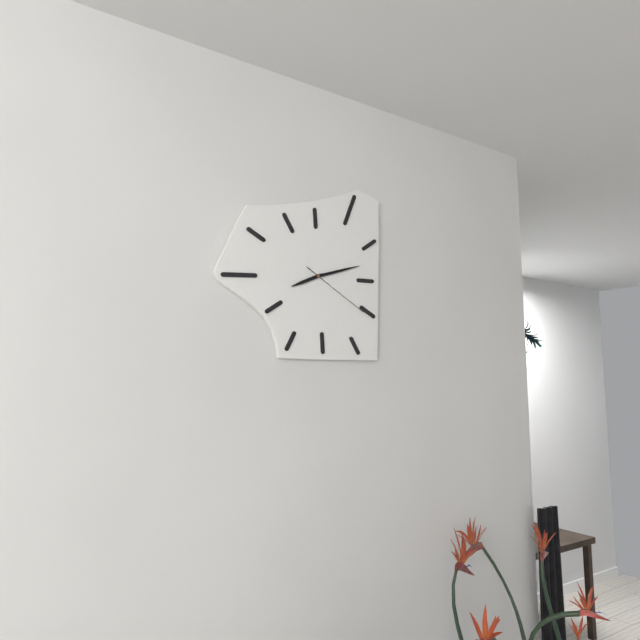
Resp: 8.12.20
